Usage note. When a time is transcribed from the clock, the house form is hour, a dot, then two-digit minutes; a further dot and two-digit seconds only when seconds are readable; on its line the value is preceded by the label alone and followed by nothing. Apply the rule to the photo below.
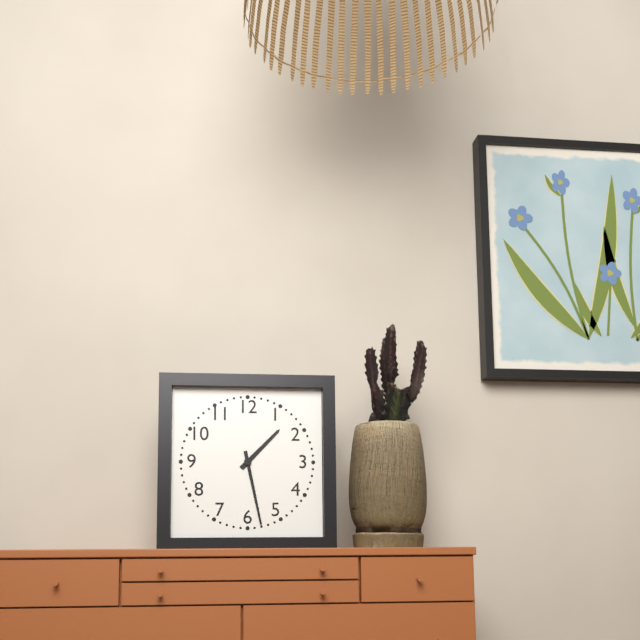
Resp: 1.28
